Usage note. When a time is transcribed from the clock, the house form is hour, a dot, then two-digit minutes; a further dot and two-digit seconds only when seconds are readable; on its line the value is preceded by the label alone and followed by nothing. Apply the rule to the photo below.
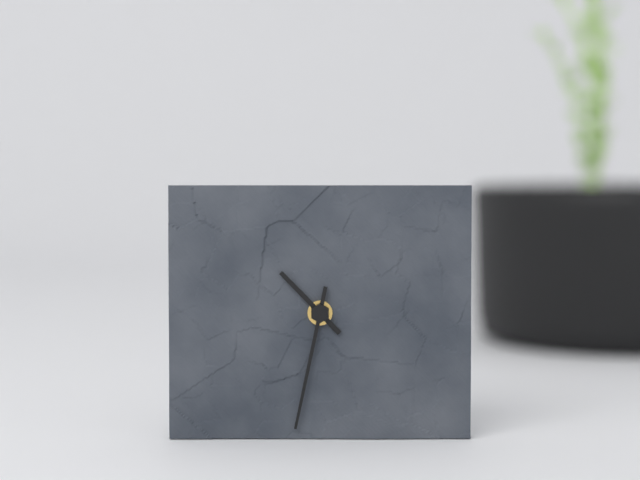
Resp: 10.32
